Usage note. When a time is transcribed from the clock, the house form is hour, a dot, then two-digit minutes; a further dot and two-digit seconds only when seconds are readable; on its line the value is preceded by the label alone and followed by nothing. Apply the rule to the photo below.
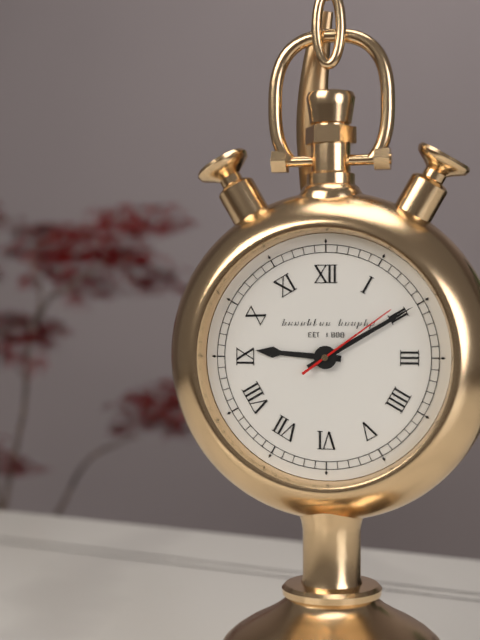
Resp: 9.10.09
